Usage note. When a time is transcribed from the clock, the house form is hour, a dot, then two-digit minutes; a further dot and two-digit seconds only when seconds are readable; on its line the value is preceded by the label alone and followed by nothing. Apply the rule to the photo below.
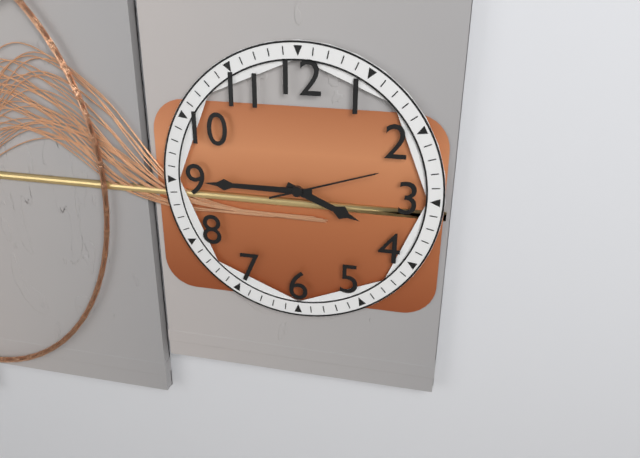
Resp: 3.45.12
